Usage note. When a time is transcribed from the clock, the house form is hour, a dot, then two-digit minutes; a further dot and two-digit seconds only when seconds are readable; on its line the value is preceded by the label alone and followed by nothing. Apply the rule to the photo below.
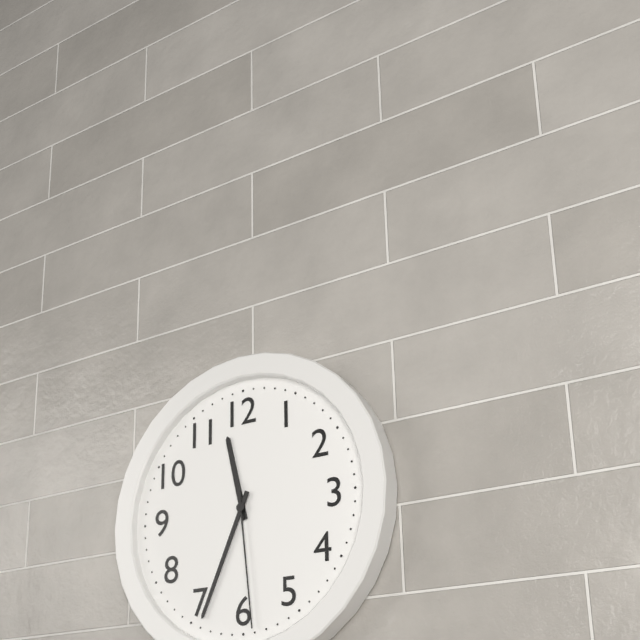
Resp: 11.34.29
